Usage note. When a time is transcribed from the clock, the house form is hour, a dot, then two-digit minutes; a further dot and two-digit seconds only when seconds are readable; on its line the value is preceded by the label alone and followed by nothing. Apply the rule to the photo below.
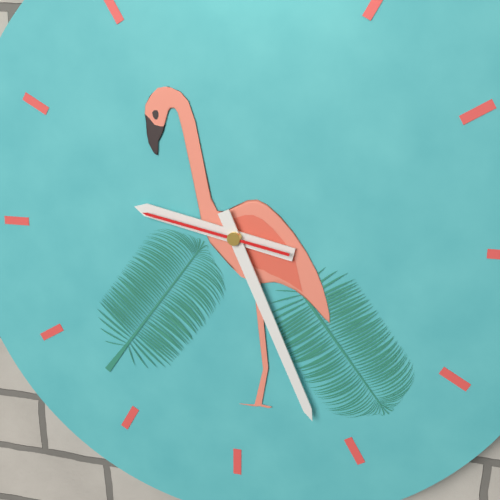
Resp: 9.26.47
